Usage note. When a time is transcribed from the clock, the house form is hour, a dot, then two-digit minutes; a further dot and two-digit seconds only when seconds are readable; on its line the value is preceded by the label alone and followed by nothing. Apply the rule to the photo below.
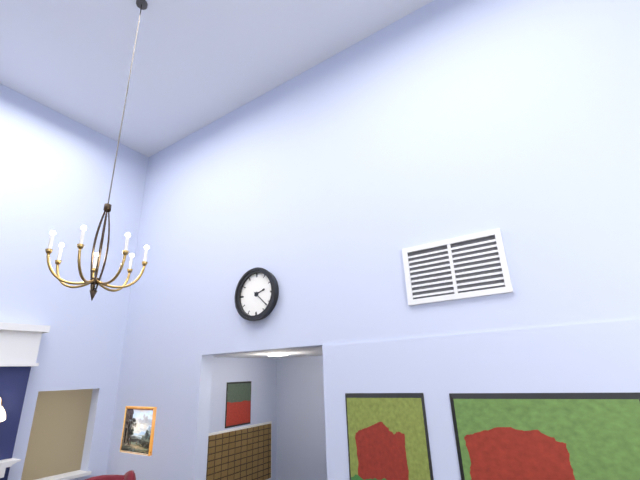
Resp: 2.22
